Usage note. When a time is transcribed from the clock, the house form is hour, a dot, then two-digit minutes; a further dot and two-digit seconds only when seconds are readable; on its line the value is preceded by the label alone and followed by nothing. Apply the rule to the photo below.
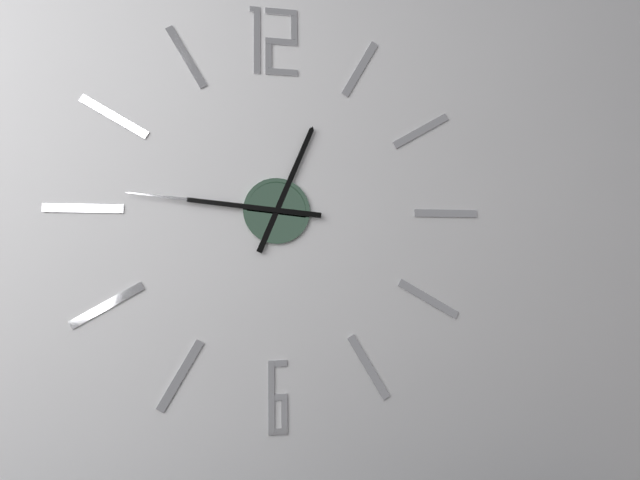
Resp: 12.46
